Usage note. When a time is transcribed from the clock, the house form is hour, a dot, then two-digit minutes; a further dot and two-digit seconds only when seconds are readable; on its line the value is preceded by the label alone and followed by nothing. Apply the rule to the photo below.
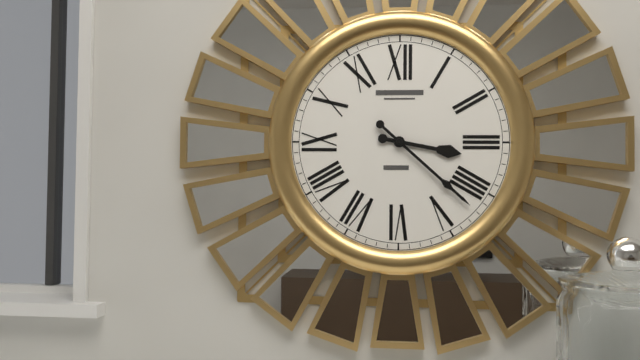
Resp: 3.22
